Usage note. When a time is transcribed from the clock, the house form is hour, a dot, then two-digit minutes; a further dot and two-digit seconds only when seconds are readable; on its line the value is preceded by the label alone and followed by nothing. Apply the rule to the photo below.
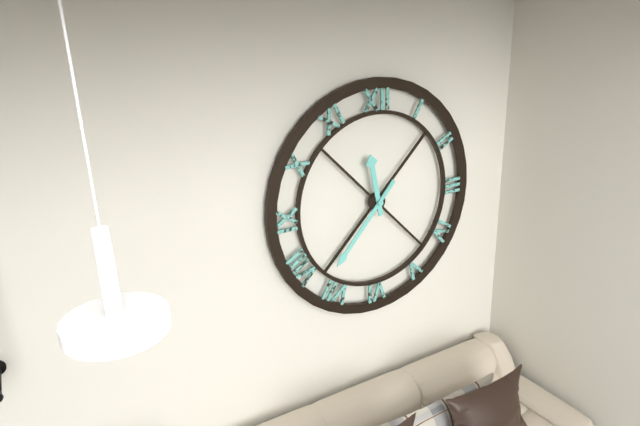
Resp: 11.37
